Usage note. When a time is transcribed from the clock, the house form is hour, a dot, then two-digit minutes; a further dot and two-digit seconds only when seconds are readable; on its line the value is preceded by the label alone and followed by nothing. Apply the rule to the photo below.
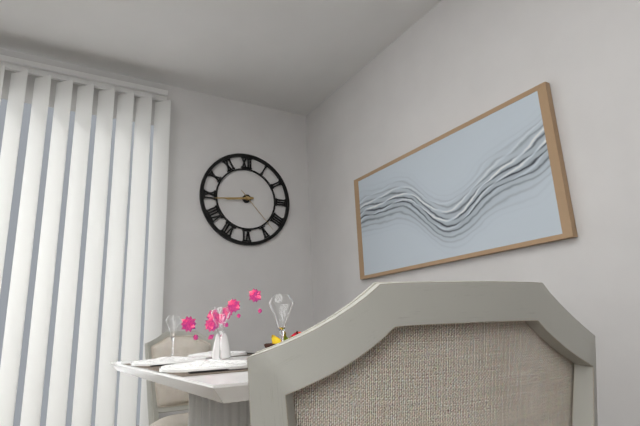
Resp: 8.44.23
